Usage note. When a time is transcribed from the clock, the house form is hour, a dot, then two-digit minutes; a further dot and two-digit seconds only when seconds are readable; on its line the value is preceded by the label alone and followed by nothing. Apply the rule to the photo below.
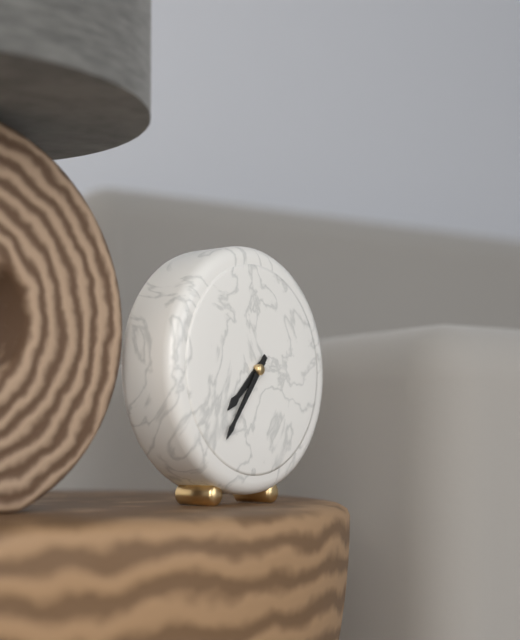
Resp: 7.36
